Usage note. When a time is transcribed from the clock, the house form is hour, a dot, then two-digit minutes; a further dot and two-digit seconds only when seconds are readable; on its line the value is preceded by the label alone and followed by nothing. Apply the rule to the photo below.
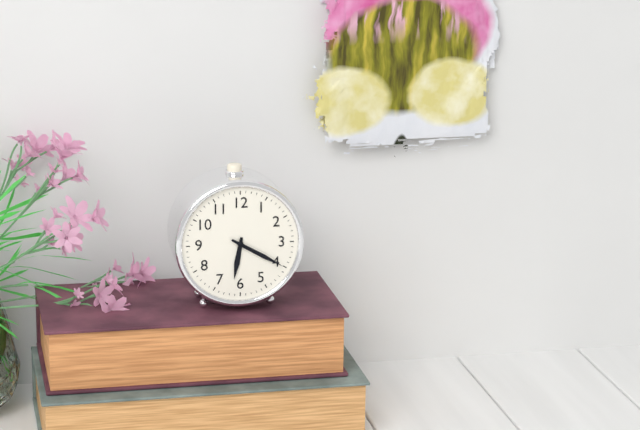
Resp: 6.20
